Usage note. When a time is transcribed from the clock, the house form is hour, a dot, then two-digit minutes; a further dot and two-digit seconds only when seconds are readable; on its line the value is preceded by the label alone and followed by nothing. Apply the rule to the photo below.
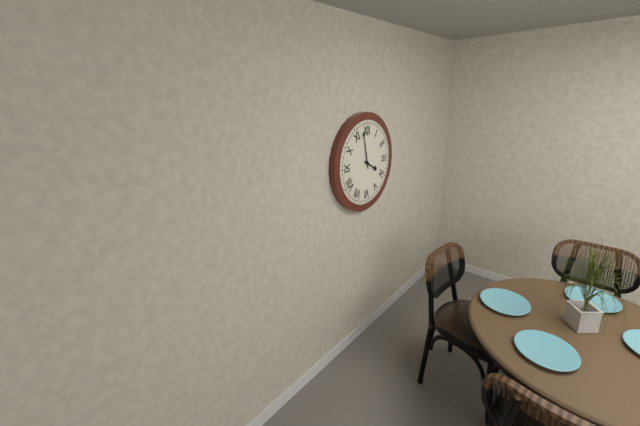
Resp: 3.58
